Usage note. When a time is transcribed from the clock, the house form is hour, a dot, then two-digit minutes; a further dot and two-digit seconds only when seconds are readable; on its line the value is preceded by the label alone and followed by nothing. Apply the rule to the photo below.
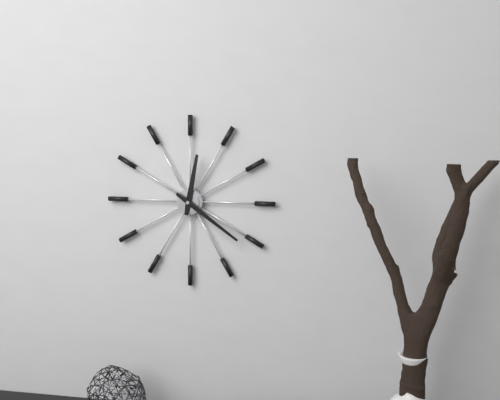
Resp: 12.21
